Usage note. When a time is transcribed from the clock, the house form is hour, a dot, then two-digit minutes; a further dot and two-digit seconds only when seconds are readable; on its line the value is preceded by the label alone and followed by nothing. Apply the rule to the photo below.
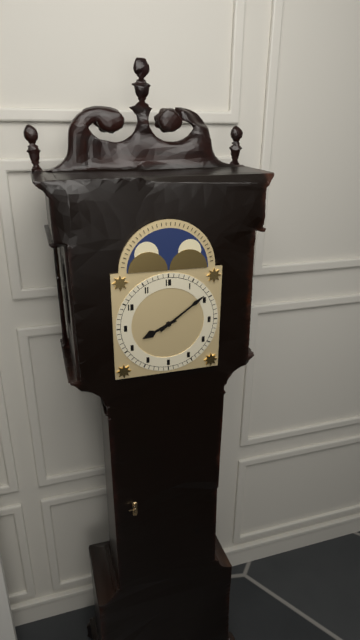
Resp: 8.09
